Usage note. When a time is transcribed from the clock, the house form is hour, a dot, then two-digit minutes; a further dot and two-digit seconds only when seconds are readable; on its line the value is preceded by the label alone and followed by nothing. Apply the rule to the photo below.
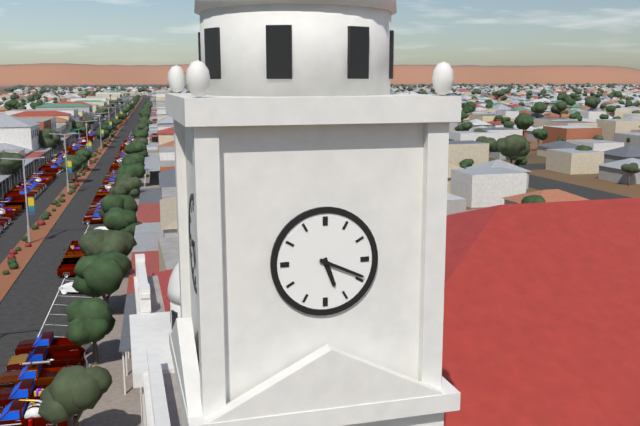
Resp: 5.19
